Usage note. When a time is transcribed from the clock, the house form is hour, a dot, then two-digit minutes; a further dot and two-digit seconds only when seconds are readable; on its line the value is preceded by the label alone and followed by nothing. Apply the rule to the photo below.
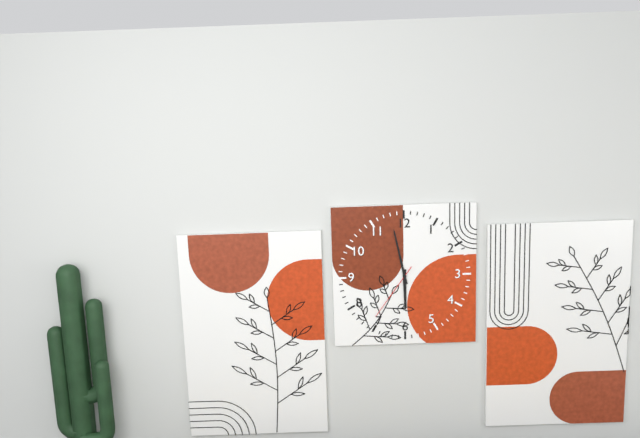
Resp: 5.58.36
